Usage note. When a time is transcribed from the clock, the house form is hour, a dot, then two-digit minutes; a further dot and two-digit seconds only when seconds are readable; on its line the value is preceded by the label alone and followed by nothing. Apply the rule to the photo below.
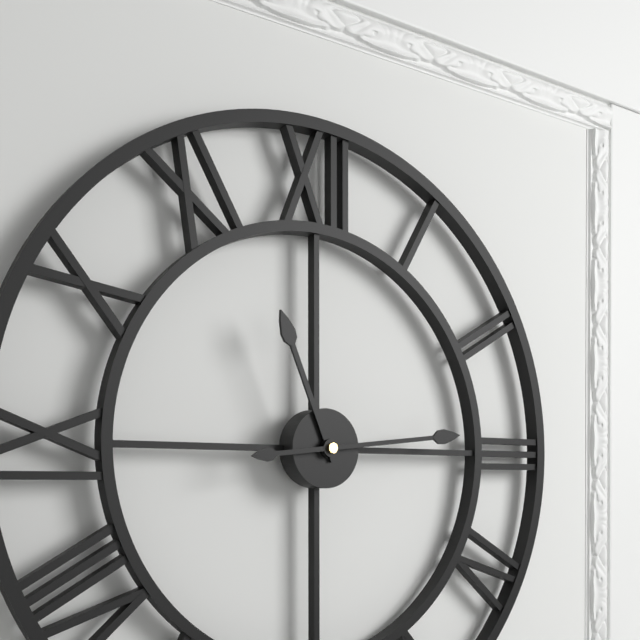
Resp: 11.14
